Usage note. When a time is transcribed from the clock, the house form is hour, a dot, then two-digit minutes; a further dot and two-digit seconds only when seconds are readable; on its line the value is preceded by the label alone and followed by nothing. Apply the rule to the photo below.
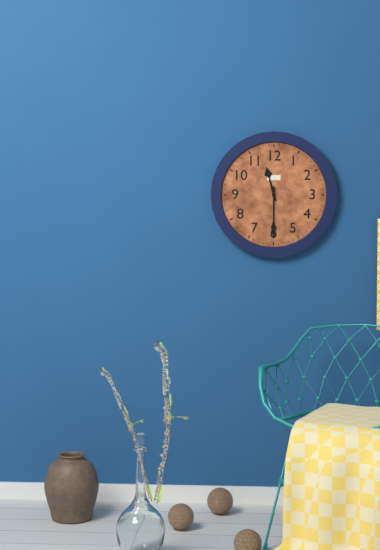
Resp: 11.30
